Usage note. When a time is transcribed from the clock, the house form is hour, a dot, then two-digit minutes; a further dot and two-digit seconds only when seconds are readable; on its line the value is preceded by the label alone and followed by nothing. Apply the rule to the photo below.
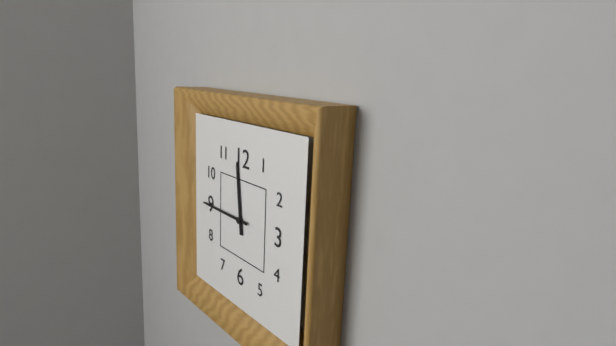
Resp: 11.45
